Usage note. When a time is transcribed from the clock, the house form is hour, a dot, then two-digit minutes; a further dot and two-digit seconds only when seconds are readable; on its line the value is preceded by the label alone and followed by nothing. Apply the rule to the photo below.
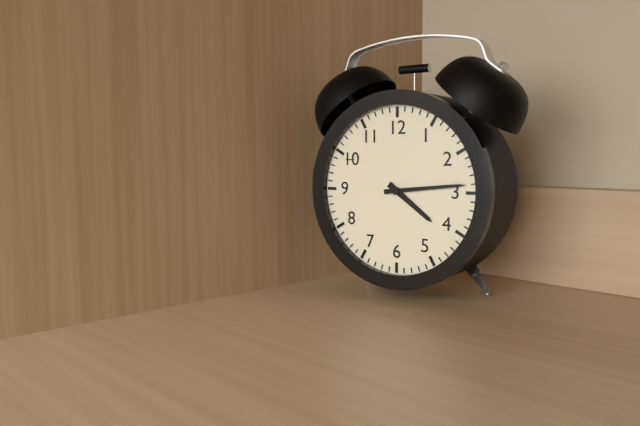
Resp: 4.14
